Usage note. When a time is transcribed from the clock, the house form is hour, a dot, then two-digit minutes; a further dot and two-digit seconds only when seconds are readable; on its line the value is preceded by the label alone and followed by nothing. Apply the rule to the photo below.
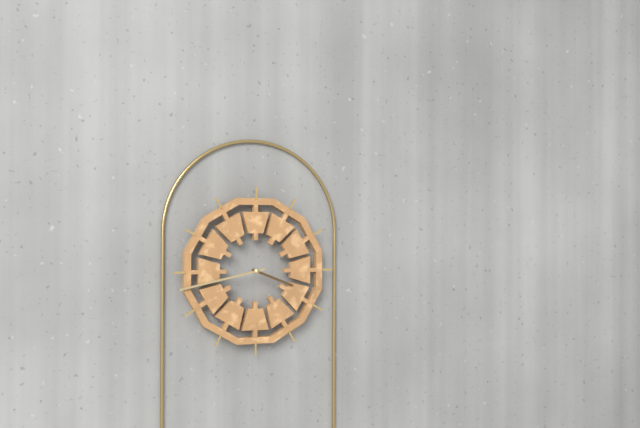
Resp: 3.43
